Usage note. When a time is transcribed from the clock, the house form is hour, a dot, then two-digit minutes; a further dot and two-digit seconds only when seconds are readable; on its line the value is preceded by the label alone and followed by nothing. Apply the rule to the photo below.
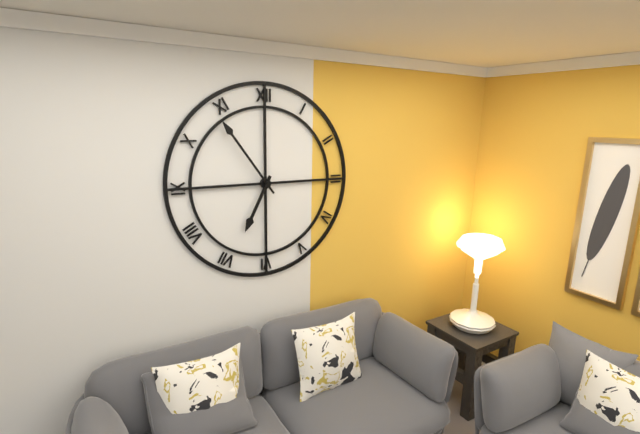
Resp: 6.54
